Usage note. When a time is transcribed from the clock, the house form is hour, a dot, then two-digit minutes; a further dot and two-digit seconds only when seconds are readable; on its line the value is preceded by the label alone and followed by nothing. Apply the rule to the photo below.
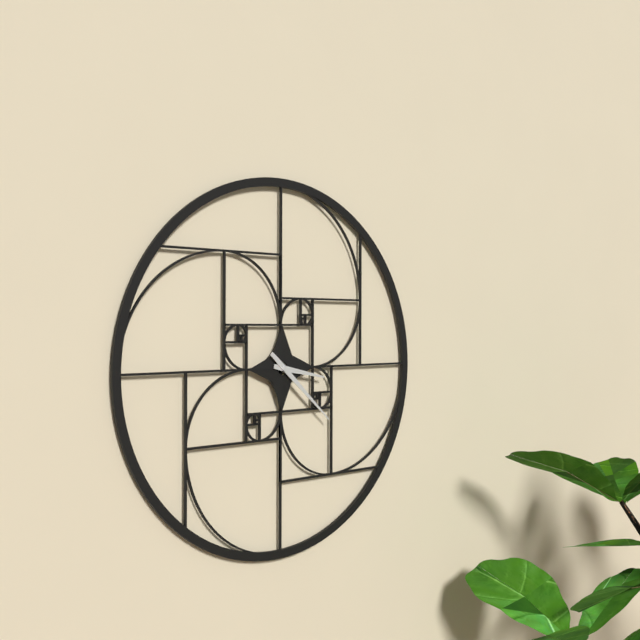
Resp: 3.22
